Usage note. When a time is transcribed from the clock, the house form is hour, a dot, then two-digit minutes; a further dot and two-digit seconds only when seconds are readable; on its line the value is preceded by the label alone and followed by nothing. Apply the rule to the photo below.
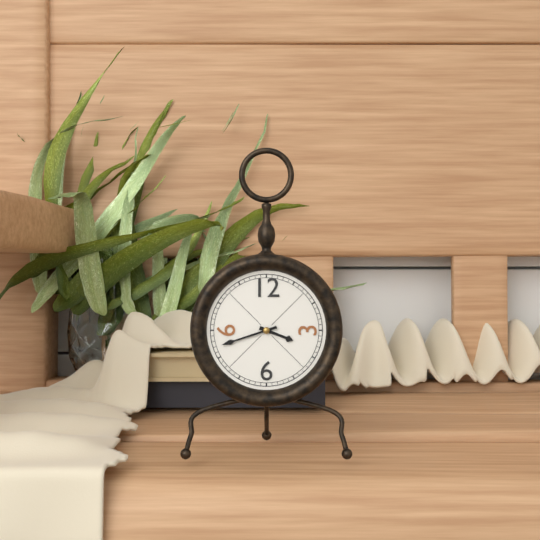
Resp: 3.42
